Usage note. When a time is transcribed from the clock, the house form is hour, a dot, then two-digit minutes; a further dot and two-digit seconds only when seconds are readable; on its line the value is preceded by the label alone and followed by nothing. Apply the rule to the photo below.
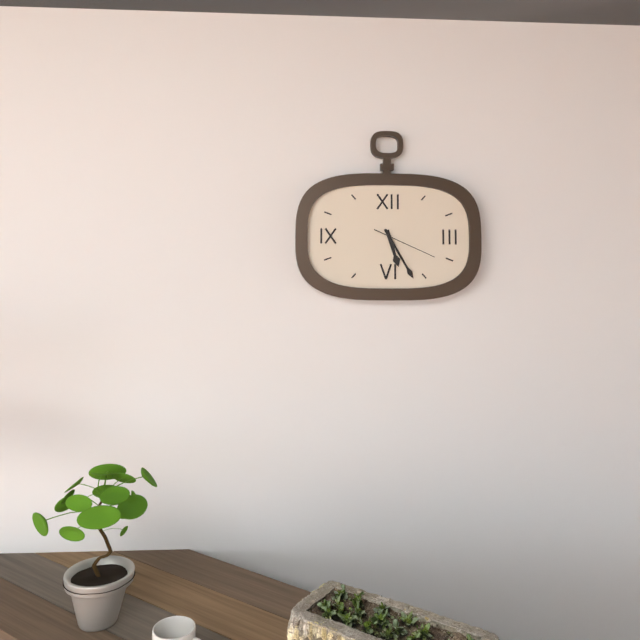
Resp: 5.25.19
